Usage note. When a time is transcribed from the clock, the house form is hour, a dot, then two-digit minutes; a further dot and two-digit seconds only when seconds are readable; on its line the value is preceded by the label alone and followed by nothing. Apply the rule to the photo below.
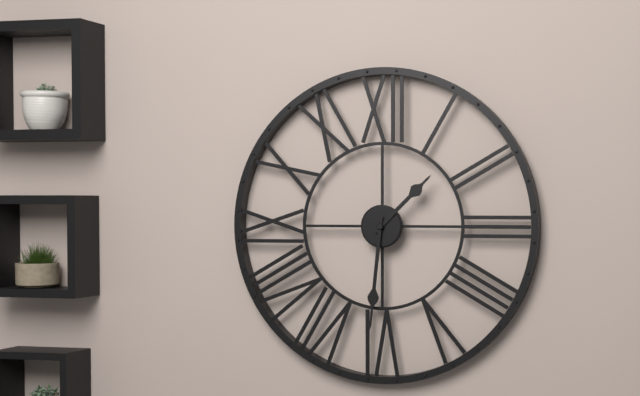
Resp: 1.31
